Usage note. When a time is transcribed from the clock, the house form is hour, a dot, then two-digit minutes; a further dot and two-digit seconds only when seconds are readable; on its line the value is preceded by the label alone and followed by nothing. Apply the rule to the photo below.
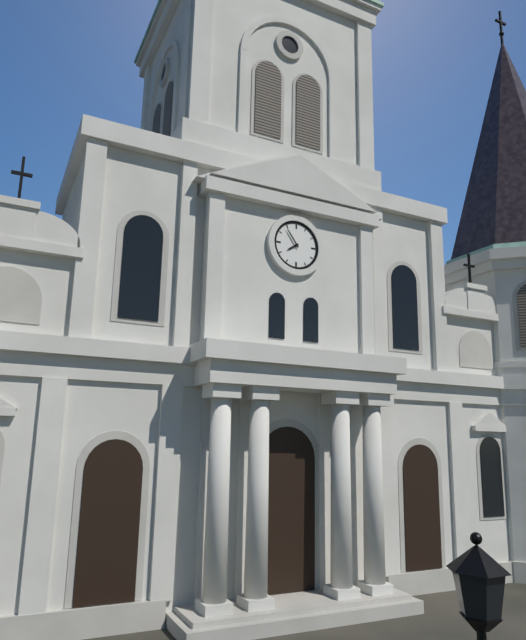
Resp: 7.54
